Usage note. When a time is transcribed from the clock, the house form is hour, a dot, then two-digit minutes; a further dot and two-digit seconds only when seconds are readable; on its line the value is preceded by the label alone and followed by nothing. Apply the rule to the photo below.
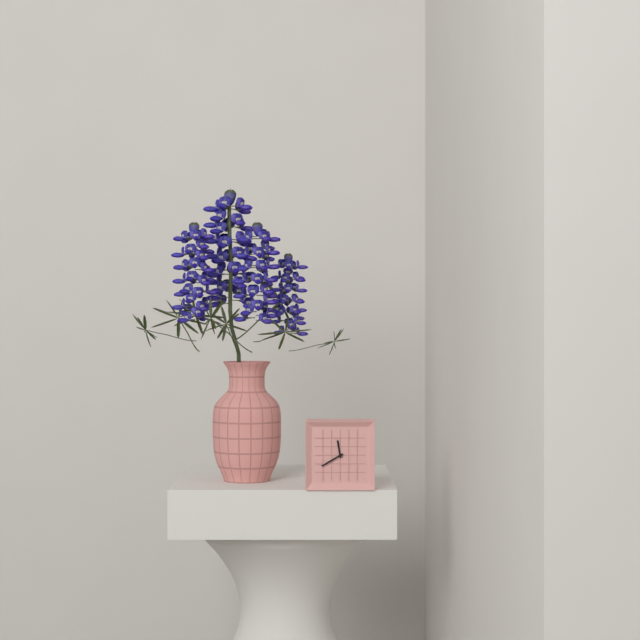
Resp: 11.40
